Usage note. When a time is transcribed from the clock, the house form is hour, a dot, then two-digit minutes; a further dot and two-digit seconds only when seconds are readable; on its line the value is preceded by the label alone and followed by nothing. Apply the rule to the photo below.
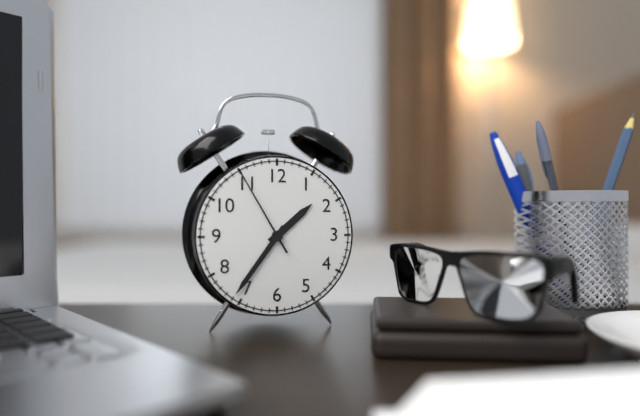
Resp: 1.36.55
